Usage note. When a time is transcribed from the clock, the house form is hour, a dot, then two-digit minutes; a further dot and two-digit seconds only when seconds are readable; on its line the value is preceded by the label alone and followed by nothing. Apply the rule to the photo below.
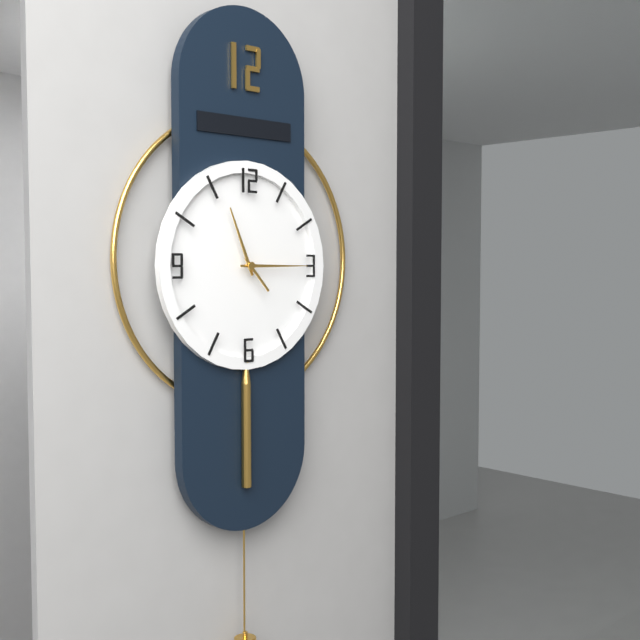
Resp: 11.15
